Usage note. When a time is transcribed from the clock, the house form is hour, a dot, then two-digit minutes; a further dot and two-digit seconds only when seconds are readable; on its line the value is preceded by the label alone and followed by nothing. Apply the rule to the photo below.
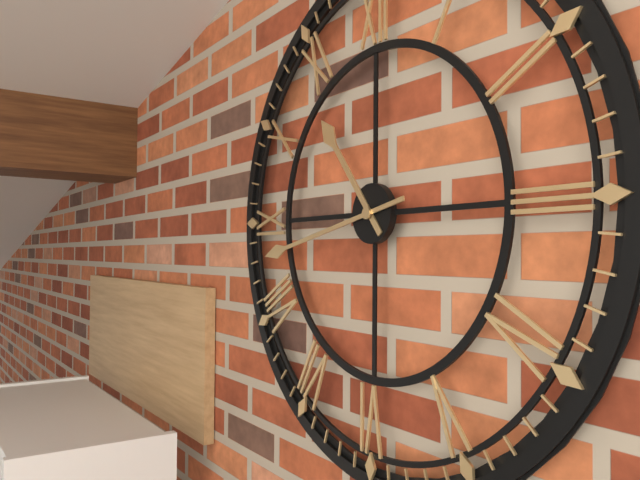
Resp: 10.43
